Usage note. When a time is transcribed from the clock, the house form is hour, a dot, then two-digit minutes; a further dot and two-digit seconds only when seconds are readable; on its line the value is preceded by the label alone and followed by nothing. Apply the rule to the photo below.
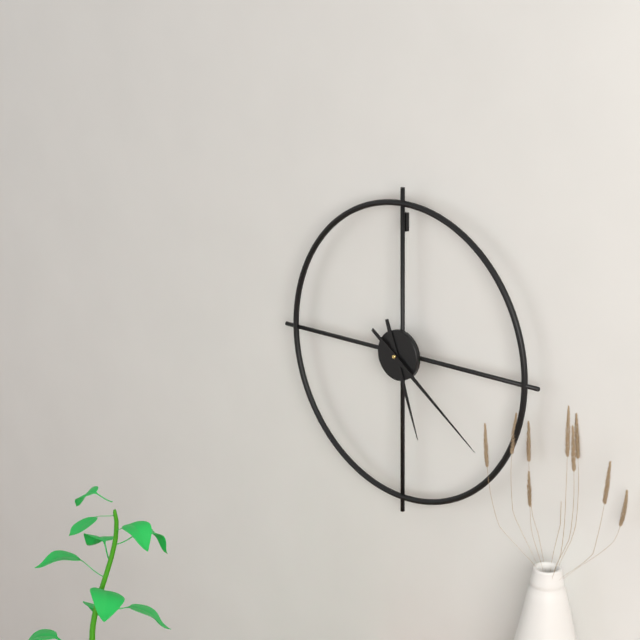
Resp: 5.21
